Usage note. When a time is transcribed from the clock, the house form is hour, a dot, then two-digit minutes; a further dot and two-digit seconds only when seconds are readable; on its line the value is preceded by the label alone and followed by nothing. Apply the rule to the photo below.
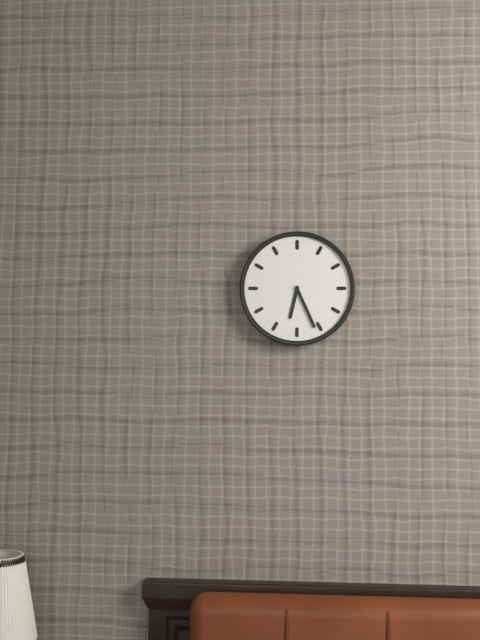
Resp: 6.26
